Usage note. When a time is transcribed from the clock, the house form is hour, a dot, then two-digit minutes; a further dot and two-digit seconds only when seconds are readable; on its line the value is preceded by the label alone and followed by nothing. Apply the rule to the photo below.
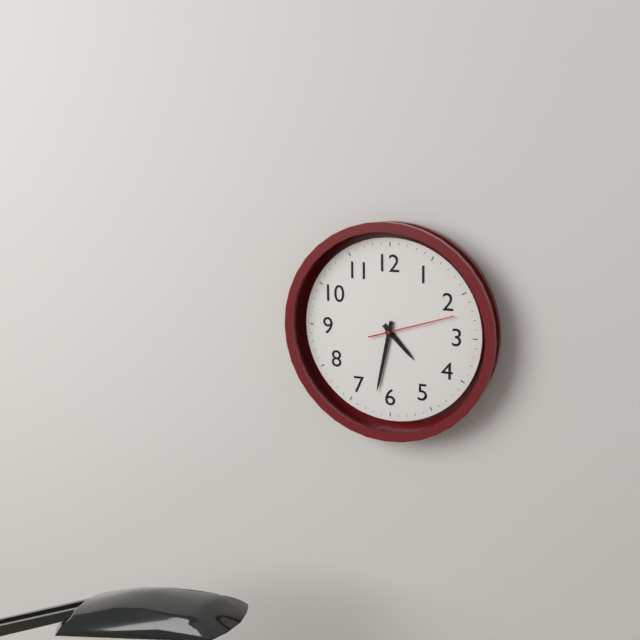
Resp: 4.32.12
